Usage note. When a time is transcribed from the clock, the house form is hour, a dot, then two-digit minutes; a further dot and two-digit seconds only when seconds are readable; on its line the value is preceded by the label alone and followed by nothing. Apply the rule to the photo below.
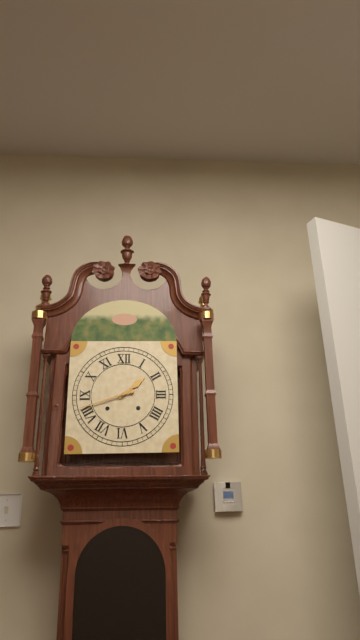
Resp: 1.42
